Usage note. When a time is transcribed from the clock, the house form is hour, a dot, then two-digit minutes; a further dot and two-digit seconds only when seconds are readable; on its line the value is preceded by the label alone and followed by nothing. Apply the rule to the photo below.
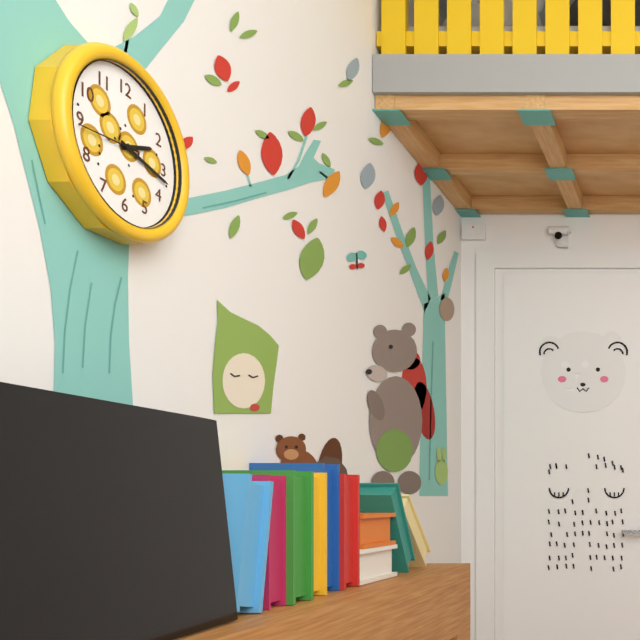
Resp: 2.17.44
